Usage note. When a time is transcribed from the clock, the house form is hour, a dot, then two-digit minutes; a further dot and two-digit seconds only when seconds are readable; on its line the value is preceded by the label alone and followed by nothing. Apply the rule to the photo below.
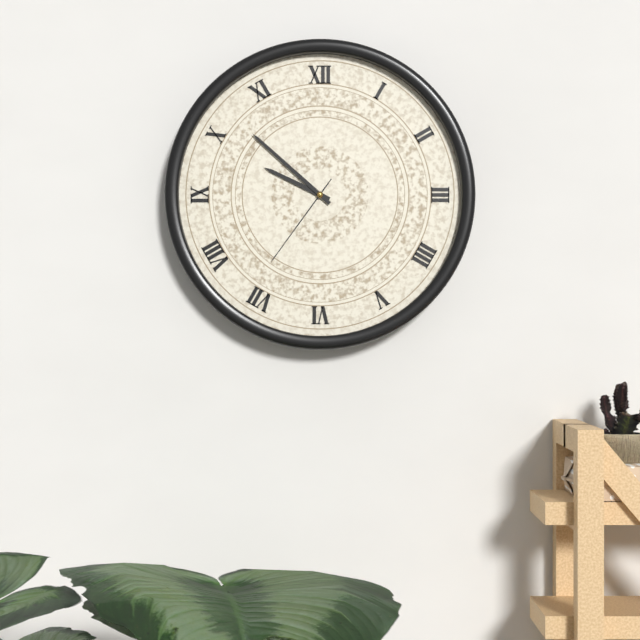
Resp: 9.52.36
